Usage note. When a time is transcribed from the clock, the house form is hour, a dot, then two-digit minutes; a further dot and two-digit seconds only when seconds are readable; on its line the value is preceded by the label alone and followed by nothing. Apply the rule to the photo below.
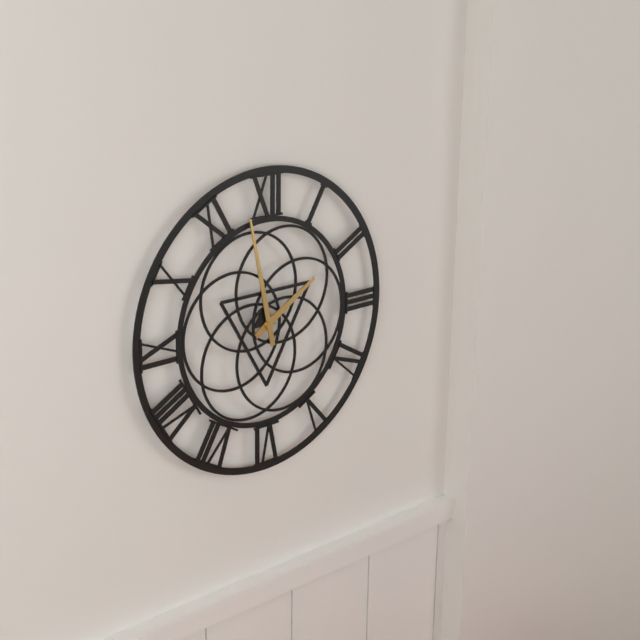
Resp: 1.58
